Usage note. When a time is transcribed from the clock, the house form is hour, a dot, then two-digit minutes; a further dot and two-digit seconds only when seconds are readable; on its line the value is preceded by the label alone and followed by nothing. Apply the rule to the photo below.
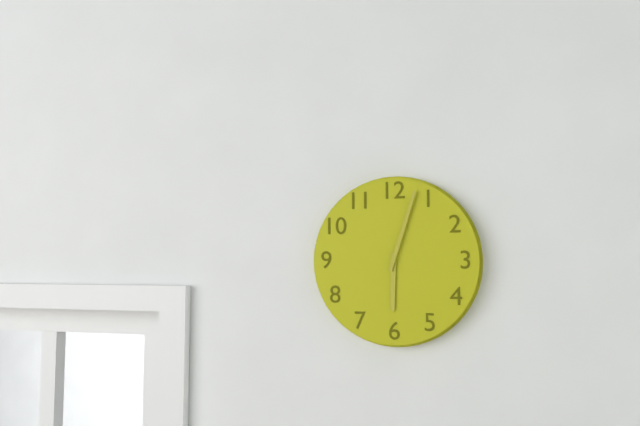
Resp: 6.03
